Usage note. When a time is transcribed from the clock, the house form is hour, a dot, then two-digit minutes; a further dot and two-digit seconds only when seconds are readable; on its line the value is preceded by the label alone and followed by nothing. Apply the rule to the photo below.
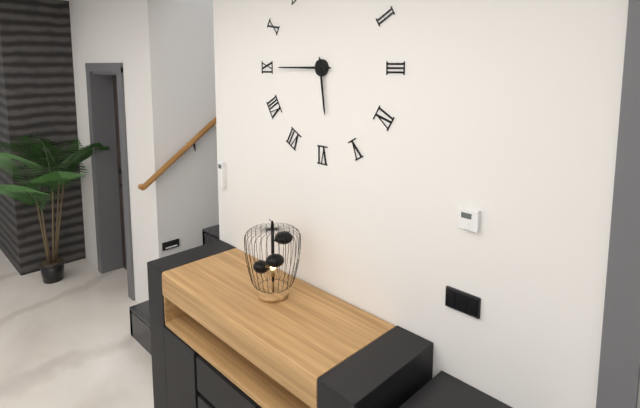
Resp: 5.45
